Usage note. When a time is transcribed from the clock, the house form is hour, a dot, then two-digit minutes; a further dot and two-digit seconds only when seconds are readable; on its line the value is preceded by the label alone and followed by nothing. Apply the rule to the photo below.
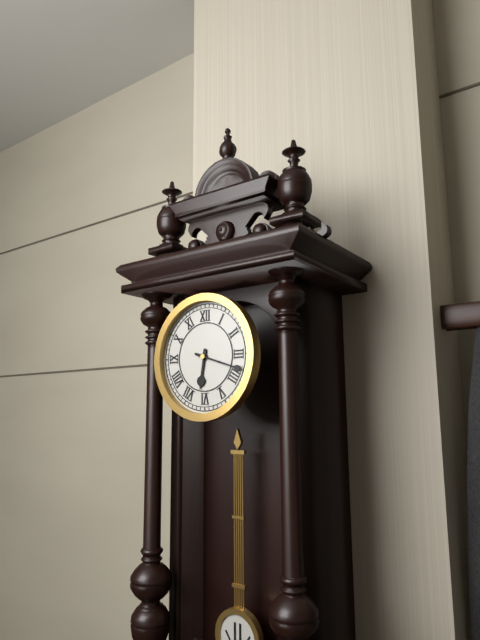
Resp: 6.18
